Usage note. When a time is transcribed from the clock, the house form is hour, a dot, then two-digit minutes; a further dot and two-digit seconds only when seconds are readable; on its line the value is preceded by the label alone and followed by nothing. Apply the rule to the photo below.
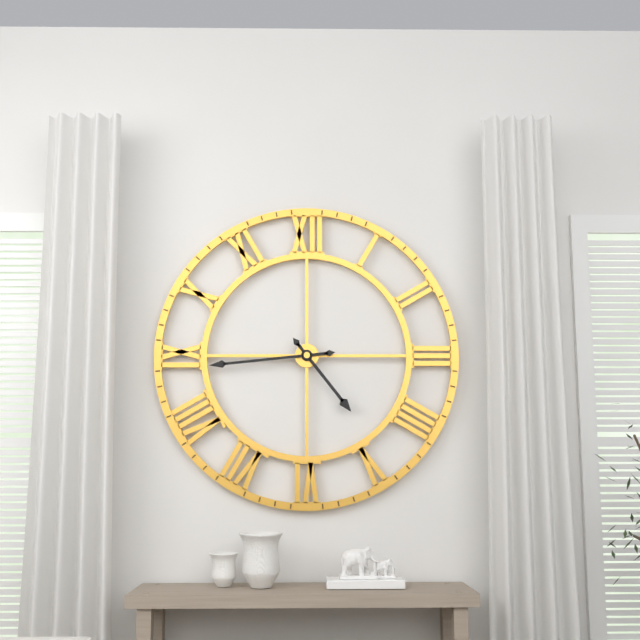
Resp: 4.44
